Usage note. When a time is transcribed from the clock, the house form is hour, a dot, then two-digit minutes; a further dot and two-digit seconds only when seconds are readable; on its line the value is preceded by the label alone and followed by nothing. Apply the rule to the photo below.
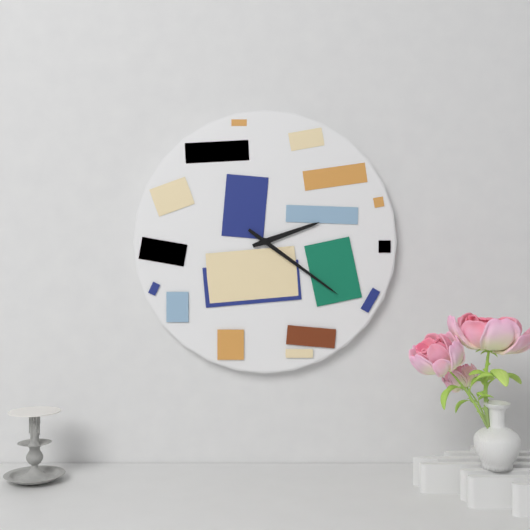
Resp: 2.21
